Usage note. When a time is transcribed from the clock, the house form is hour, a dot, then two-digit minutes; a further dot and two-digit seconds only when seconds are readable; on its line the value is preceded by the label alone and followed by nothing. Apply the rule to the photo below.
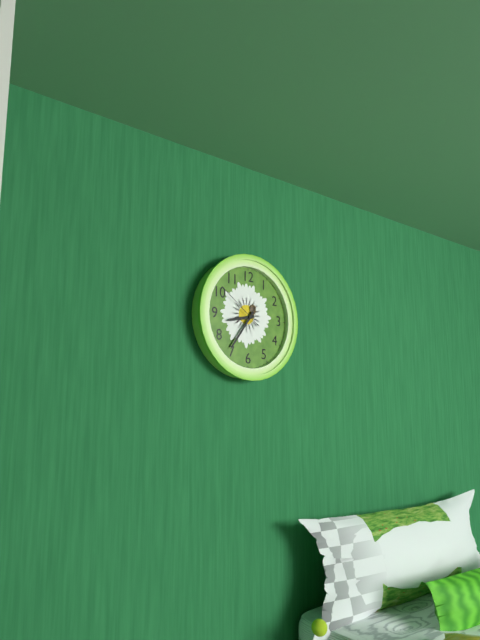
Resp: 8.36.51
